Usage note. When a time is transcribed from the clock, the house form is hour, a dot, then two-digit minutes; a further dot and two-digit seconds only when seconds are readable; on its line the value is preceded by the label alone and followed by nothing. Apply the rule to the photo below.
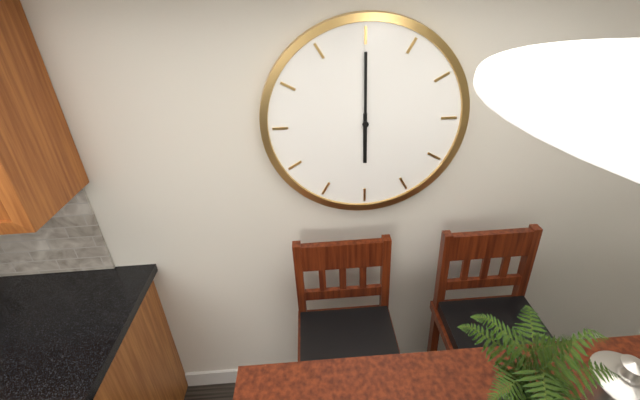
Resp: 6.00
